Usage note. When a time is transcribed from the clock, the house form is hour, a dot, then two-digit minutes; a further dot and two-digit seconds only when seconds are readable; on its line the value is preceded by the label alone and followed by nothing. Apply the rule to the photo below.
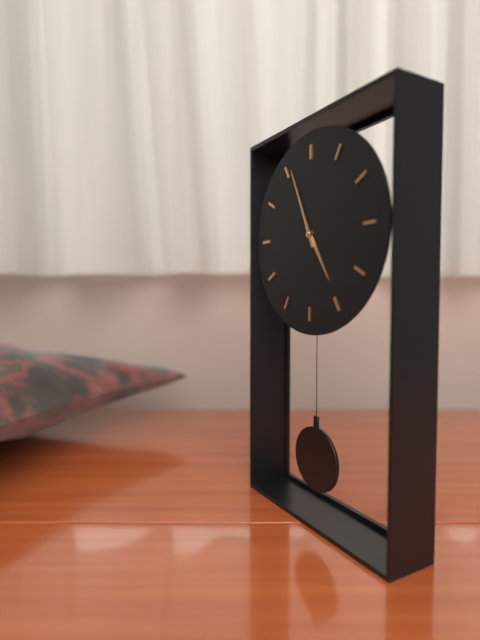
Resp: 4.56
